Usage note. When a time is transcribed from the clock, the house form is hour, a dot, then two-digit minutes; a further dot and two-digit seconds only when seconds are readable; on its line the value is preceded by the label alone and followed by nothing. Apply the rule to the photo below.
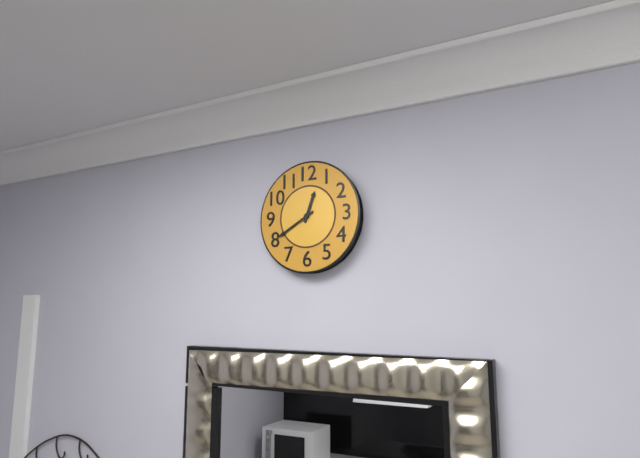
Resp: 12.40
